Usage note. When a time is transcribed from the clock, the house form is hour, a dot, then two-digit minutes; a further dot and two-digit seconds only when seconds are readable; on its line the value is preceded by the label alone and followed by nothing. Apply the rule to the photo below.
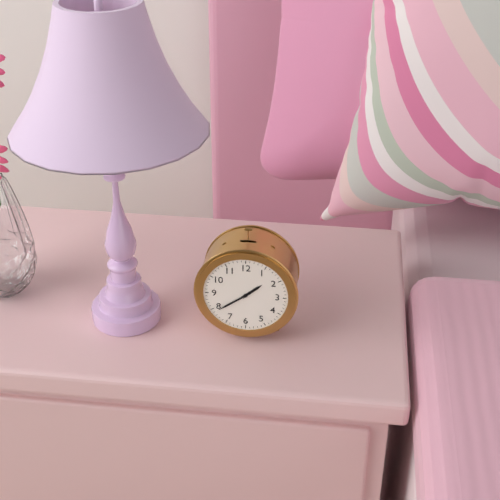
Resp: 1.39
